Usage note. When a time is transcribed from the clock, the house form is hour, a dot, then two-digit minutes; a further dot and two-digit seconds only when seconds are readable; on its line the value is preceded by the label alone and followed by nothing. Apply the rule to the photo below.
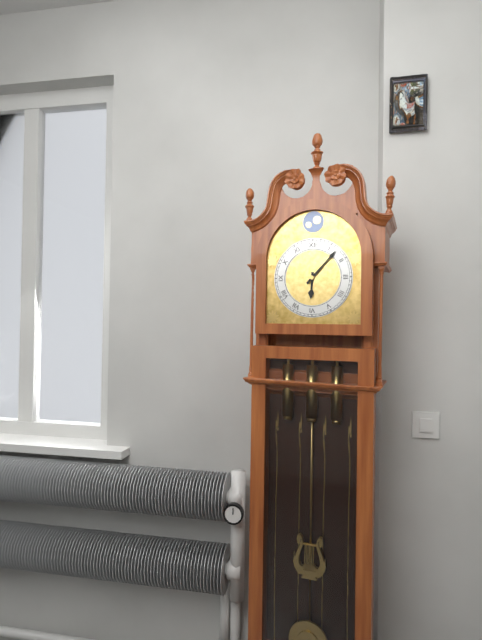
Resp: 6.07
